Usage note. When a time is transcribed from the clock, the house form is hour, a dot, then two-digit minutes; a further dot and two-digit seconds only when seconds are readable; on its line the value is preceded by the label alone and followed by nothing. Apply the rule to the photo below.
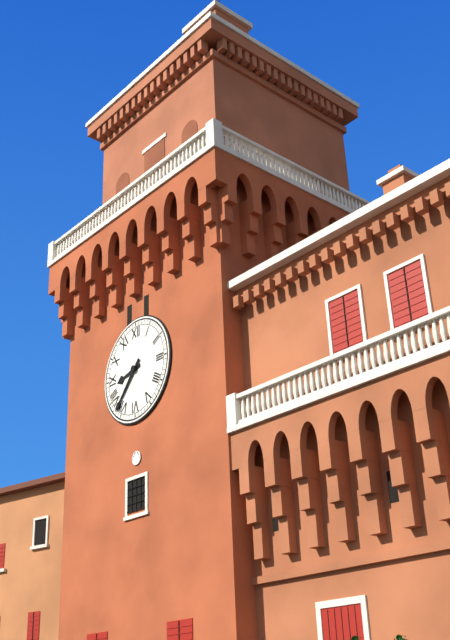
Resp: 8.37
